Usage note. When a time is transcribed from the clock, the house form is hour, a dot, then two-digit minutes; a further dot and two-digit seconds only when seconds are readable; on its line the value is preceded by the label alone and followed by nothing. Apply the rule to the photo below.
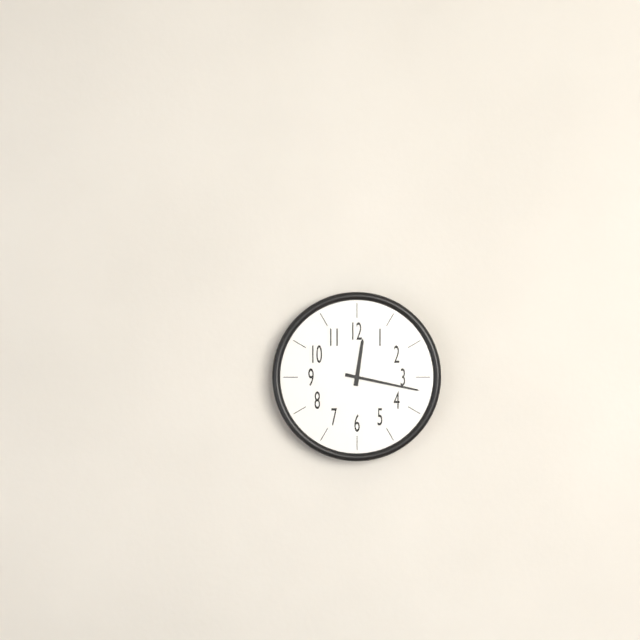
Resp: 12.17
